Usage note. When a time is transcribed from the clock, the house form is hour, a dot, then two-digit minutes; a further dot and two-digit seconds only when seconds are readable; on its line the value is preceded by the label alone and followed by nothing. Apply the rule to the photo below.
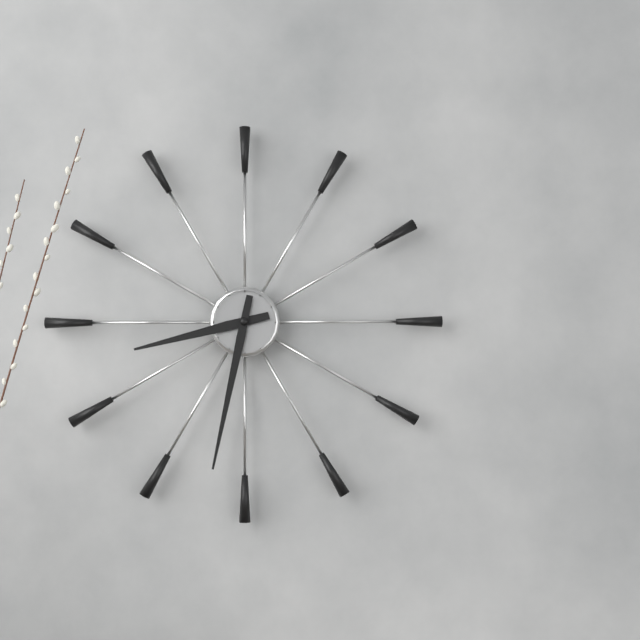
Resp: 8.32
